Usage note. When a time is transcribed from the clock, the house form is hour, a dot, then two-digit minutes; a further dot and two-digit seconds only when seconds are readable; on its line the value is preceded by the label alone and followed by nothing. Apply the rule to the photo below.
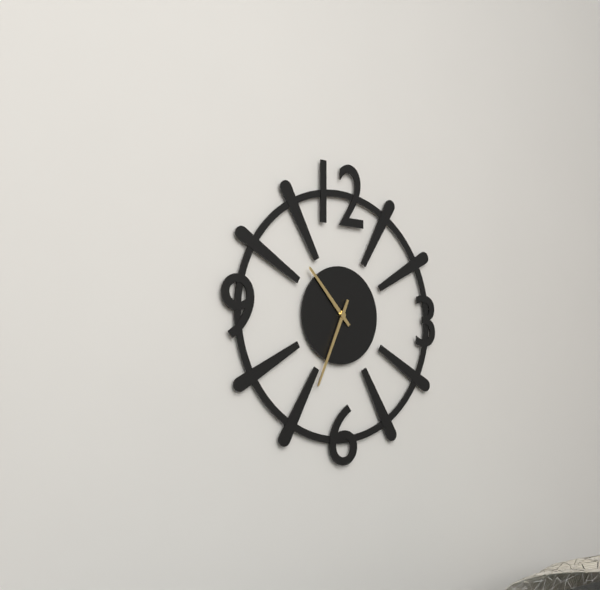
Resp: 10.34
